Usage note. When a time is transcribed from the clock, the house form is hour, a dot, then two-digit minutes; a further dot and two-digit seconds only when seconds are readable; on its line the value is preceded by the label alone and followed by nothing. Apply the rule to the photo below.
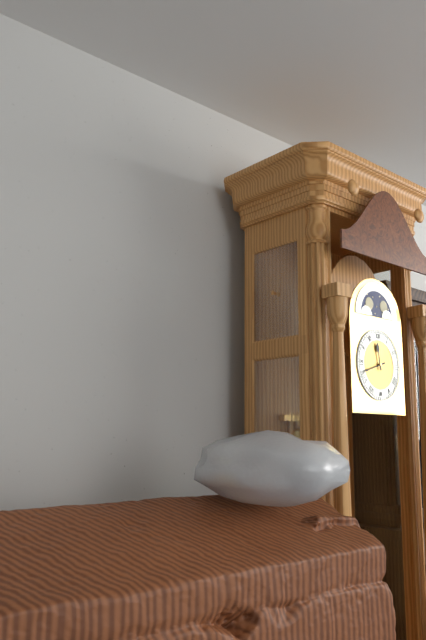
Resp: 11.42
